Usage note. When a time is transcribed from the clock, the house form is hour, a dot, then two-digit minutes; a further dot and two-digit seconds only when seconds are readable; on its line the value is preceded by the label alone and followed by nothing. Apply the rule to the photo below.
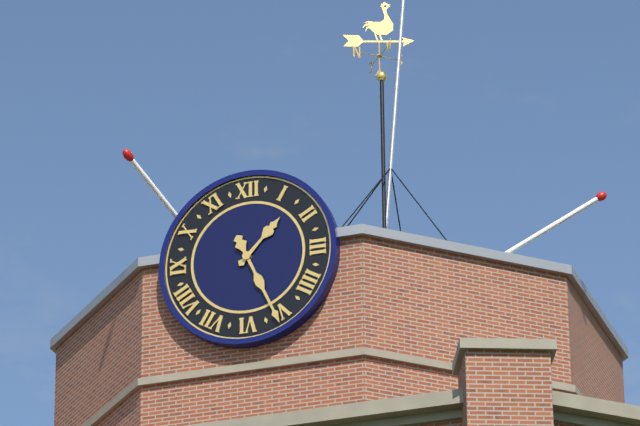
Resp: 1.26
